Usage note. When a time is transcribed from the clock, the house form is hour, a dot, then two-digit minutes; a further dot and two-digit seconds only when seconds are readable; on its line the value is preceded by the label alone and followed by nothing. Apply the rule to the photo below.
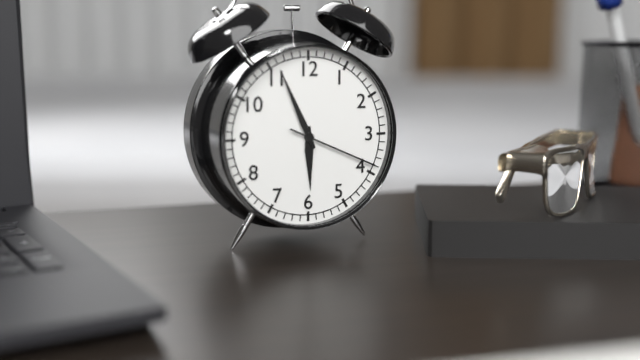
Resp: 5.56.19
